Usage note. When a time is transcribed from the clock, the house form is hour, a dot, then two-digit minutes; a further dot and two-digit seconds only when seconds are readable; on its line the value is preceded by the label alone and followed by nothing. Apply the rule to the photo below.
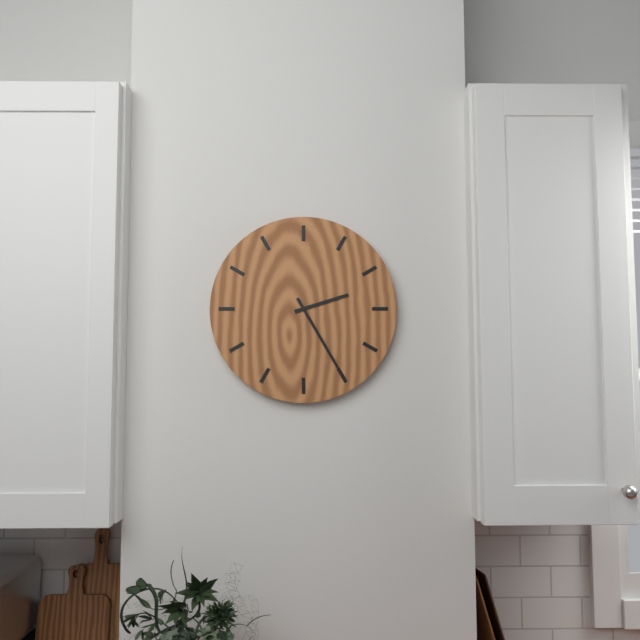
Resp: 2.25
